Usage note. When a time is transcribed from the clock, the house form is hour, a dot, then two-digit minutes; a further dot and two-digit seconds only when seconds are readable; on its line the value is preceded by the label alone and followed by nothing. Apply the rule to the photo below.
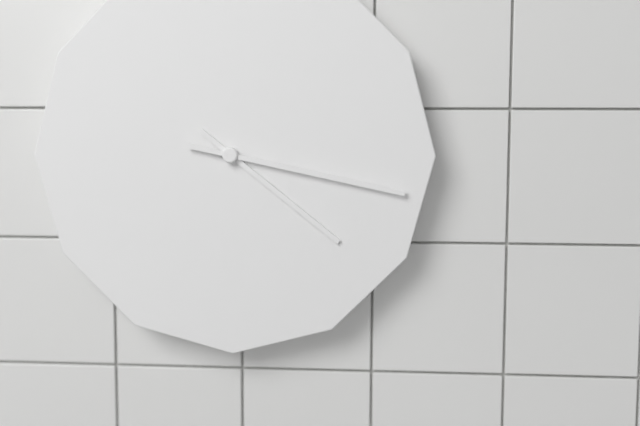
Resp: 4.17
